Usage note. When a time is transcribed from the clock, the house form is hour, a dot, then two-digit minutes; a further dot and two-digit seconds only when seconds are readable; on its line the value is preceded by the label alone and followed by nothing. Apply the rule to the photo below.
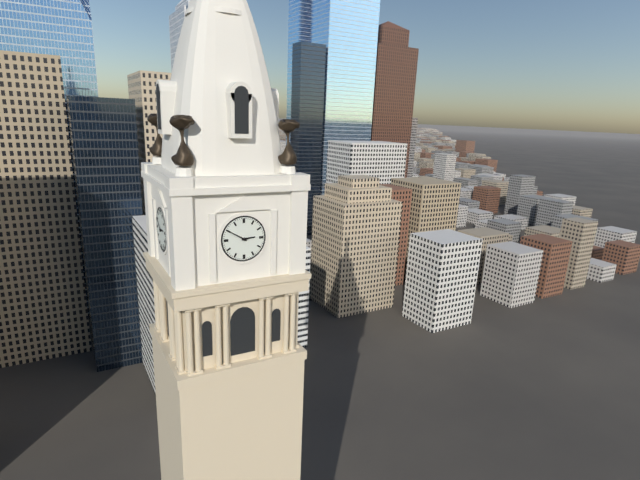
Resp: 2.50
